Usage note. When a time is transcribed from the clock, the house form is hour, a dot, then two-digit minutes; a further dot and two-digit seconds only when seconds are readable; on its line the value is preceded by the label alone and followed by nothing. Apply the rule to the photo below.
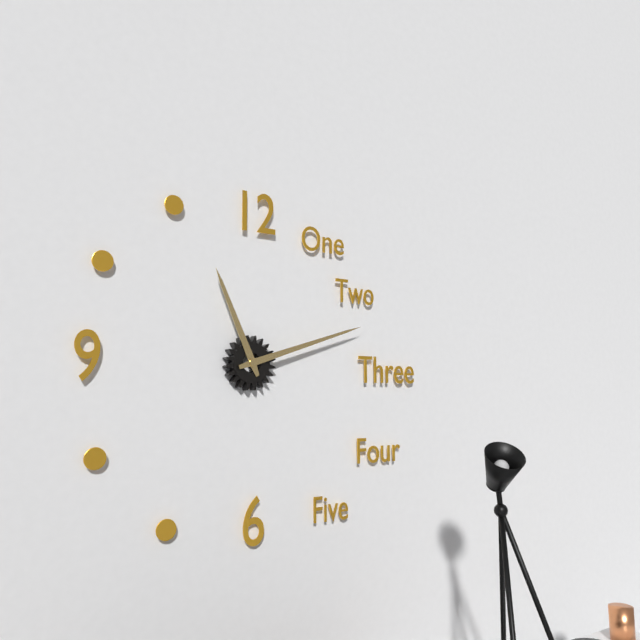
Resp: 11.12
